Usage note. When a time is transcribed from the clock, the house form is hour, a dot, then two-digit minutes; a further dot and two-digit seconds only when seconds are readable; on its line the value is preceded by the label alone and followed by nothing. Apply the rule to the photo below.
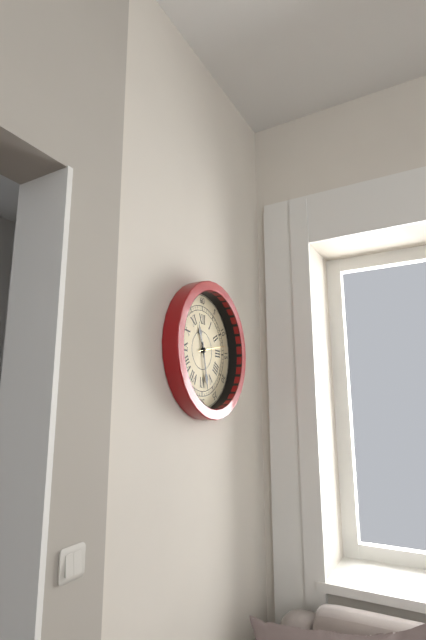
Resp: 11.28
